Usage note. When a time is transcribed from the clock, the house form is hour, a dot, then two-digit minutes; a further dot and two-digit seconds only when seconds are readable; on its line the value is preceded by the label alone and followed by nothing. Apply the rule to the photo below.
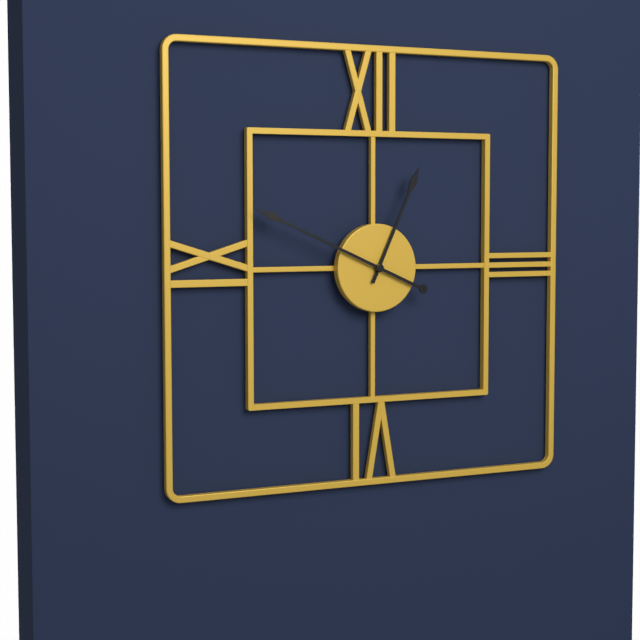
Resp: 12.49
